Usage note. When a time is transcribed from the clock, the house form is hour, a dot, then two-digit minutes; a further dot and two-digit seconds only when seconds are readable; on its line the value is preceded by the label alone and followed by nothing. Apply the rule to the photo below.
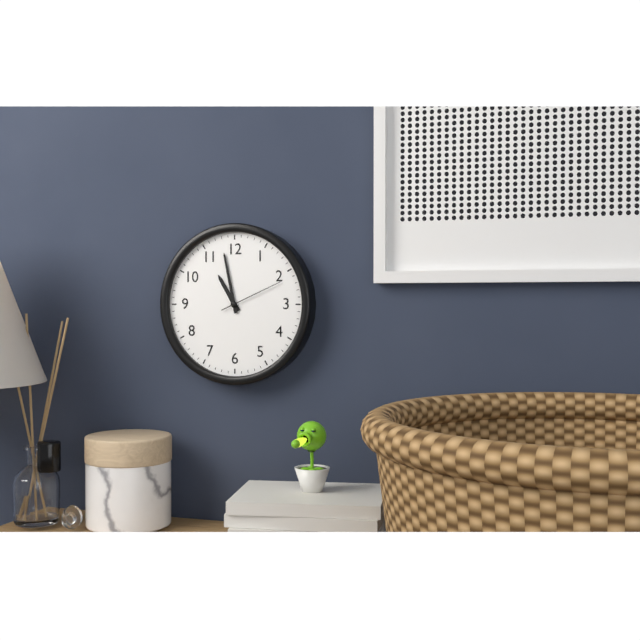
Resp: 10.58.11
